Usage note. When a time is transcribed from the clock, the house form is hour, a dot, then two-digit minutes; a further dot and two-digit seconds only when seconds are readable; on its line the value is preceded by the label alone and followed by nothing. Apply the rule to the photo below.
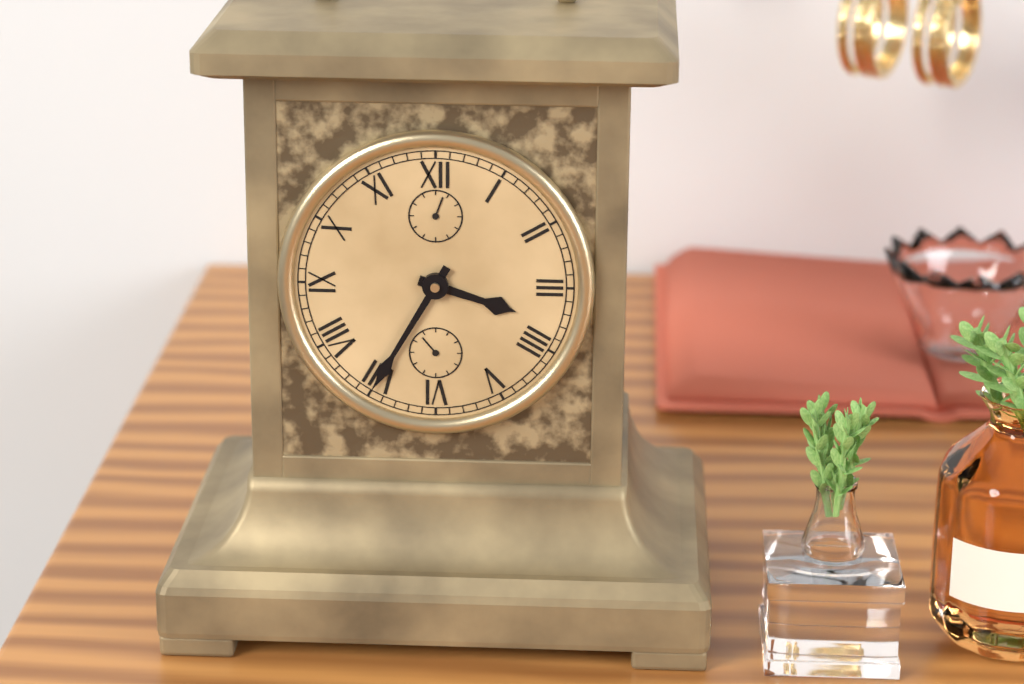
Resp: 3.35
